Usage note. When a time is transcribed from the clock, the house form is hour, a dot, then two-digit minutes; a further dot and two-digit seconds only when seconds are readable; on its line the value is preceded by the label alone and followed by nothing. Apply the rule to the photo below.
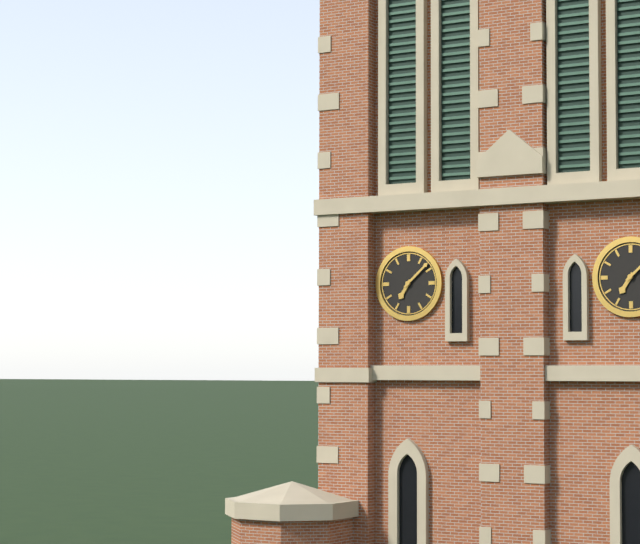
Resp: 7.08
